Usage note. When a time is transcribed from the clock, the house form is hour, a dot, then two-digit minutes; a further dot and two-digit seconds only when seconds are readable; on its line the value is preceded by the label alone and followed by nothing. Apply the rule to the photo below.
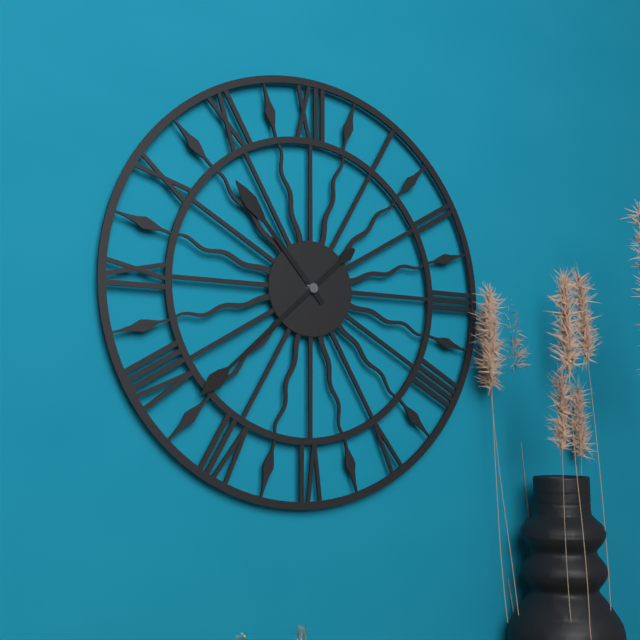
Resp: 10.38
